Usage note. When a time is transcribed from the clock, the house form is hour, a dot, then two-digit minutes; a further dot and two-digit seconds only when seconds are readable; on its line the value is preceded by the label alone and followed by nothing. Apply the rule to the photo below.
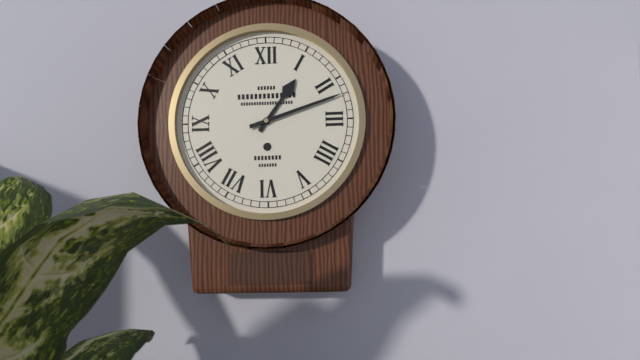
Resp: 1.12
